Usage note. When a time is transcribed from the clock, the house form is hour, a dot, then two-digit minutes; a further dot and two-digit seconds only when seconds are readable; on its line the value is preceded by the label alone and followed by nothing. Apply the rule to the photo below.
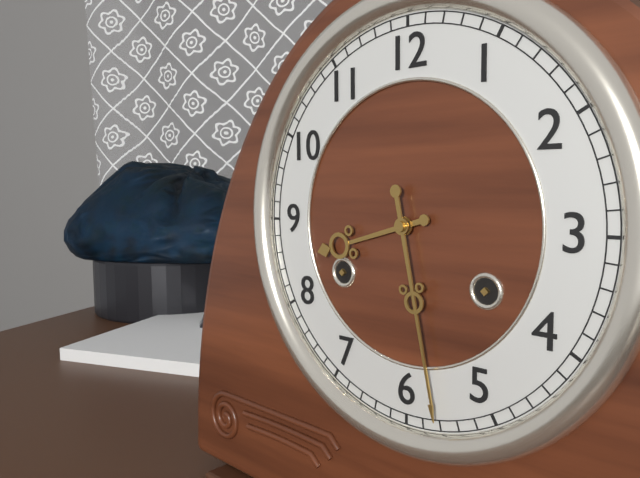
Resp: 8.28
